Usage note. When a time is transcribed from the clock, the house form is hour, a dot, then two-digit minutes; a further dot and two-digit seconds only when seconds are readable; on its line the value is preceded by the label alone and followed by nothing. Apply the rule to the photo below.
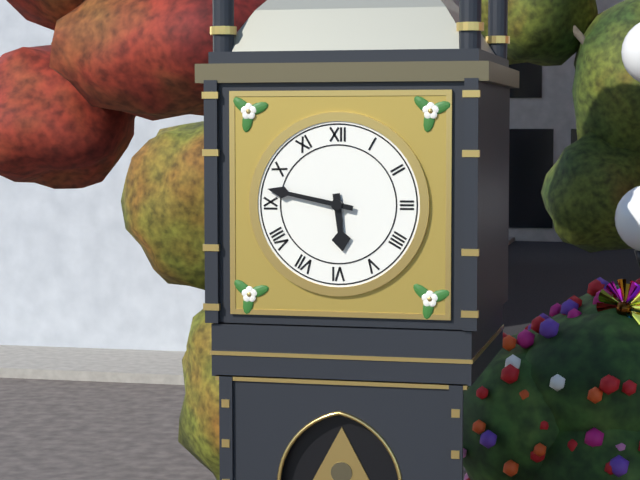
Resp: 5.47
